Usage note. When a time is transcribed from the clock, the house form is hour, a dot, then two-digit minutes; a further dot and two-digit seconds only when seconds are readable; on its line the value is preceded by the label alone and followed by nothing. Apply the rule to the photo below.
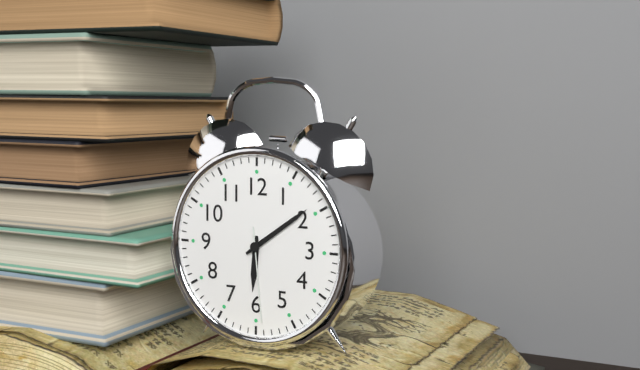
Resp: 6.09.29
